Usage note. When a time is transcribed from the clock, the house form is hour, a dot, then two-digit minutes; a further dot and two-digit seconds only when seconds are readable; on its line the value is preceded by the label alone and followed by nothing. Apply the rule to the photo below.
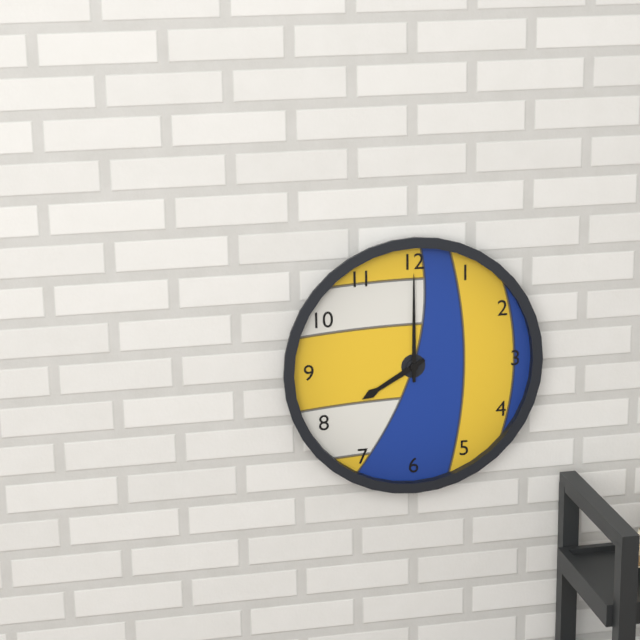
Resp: 8.00
